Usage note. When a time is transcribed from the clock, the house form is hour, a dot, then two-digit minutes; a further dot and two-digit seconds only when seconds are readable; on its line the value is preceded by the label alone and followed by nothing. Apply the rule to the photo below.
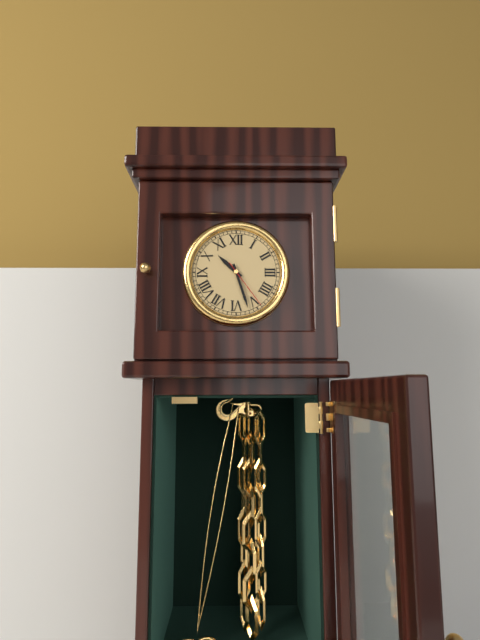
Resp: 10.27.24
